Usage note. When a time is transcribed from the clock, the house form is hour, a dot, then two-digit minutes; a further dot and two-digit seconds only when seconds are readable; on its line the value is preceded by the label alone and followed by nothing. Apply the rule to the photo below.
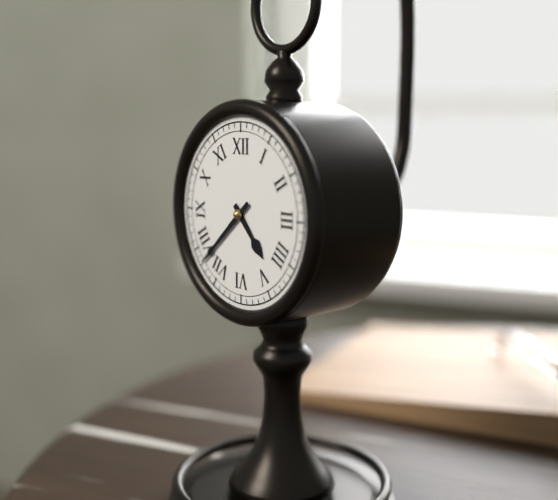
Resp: 4.38
